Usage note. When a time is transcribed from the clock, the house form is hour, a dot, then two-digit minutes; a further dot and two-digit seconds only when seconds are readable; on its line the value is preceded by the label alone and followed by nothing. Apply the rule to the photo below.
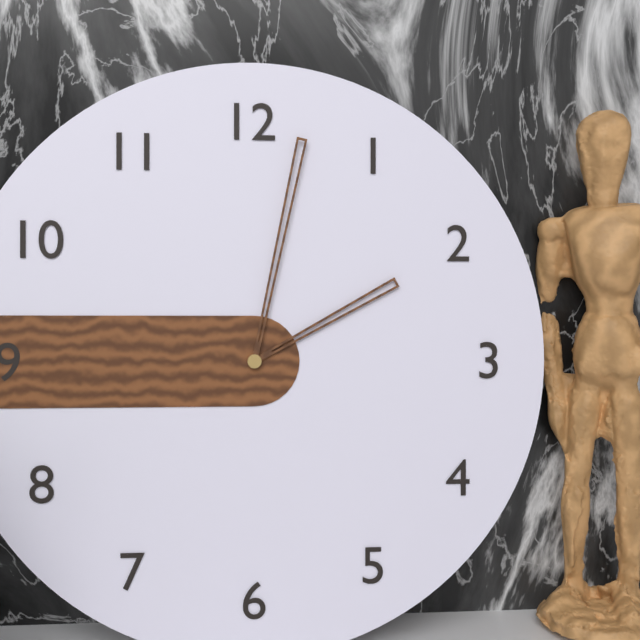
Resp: 2.02
